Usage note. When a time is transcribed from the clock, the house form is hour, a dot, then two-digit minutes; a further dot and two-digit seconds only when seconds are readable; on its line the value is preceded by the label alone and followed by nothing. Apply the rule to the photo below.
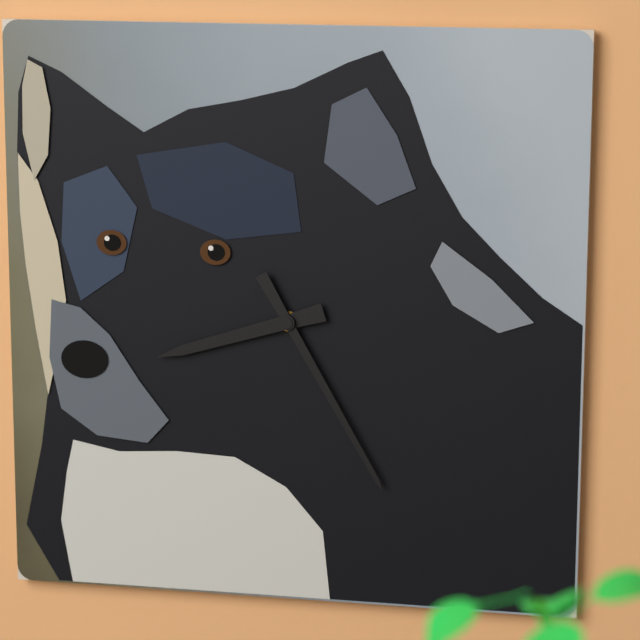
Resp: 8.25
